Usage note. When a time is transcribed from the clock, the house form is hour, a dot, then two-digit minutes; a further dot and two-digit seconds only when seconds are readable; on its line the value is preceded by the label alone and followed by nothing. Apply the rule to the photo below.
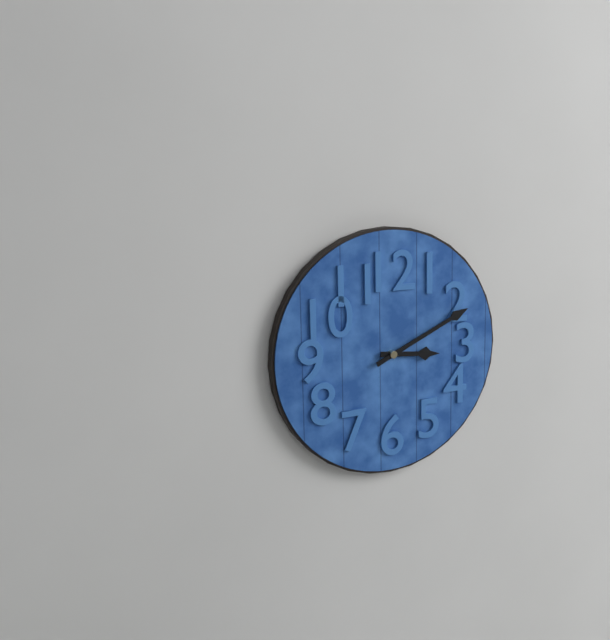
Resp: 3.11
